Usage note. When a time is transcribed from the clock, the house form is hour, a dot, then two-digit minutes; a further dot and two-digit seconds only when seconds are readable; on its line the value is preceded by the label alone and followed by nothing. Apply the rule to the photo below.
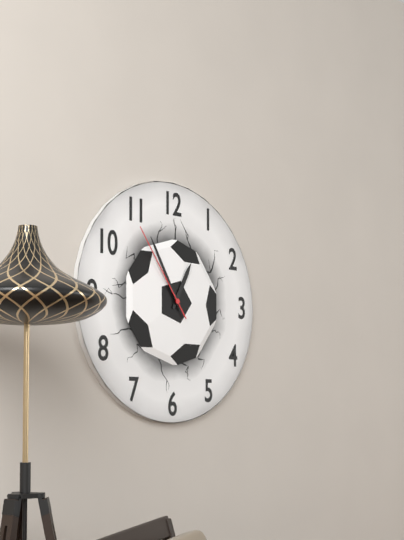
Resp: 12.55.54
